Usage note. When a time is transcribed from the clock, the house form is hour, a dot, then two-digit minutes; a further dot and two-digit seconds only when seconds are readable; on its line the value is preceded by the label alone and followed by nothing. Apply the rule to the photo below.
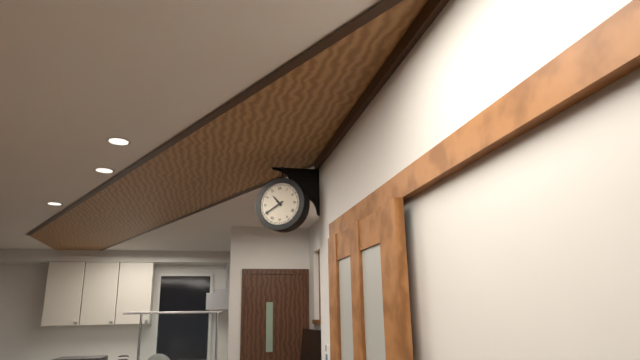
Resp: 10.40
